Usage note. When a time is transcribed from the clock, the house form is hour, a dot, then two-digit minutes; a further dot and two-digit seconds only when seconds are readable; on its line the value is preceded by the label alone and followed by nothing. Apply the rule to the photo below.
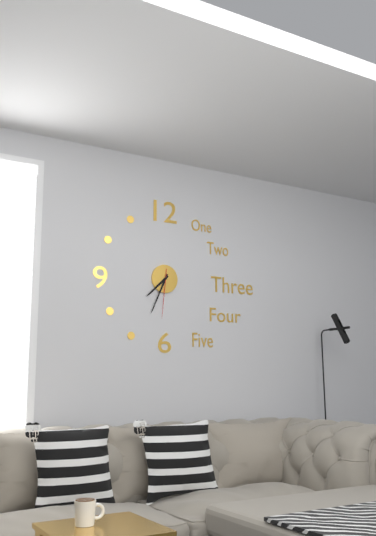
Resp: 7.34.31
